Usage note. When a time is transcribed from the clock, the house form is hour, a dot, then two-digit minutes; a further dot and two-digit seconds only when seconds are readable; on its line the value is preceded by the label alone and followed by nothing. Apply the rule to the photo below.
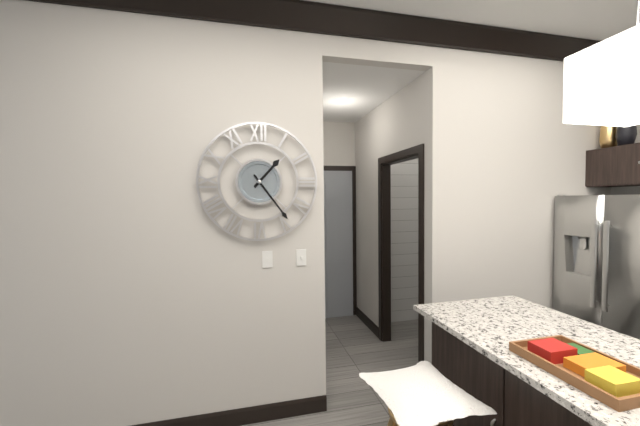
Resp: 1.24
